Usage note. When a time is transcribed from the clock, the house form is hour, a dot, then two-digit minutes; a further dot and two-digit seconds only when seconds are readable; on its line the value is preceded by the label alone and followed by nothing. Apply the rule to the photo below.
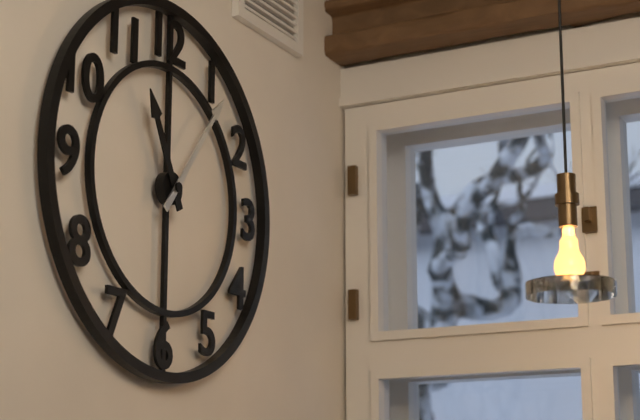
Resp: 11.06
